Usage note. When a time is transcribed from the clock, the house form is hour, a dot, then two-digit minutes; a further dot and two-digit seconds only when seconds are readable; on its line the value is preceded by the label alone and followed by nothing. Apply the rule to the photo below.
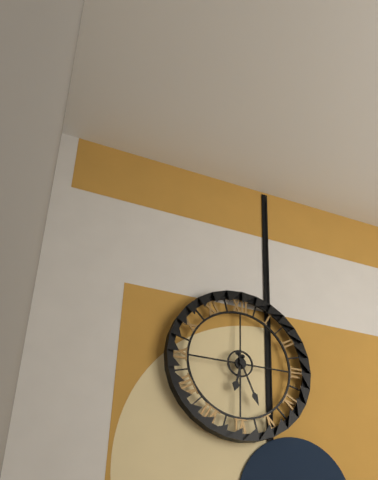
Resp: 6.26
